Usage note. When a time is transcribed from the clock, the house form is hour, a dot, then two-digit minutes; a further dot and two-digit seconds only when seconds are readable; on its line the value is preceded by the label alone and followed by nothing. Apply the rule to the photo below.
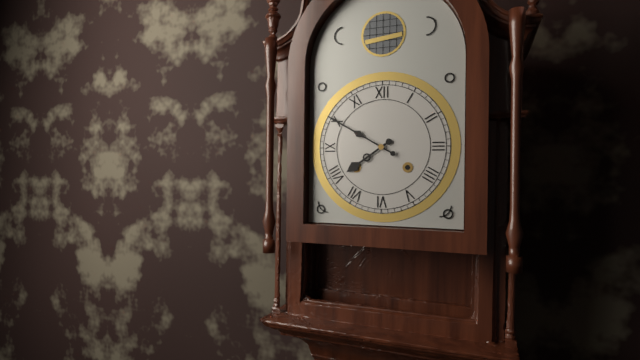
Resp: 7.50
